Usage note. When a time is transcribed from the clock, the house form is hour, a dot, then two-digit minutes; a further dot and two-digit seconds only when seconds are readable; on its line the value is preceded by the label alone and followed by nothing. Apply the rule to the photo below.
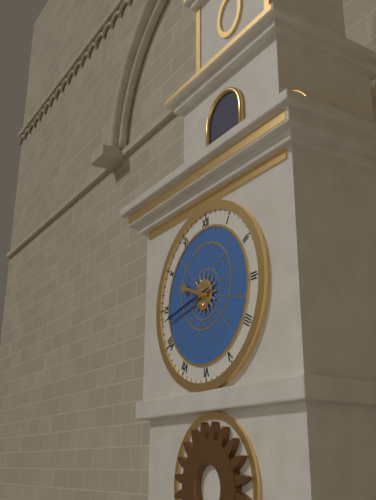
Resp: 9.43
